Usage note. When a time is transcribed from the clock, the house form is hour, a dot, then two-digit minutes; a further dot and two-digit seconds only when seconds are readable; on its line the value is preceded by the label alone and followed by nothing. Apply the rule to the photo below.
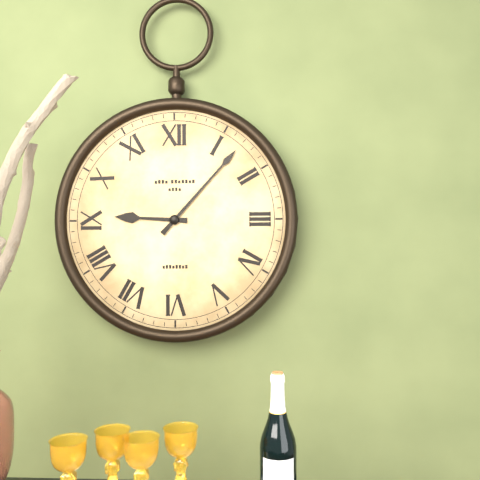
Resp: 9.07
